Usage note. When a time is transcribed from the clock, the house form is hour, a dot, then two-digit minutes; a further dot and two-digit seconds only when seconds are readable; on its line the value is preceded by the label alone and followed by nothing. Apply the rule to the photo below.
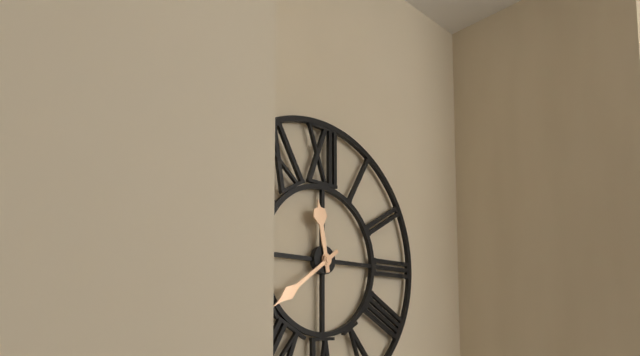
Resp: 11.39
